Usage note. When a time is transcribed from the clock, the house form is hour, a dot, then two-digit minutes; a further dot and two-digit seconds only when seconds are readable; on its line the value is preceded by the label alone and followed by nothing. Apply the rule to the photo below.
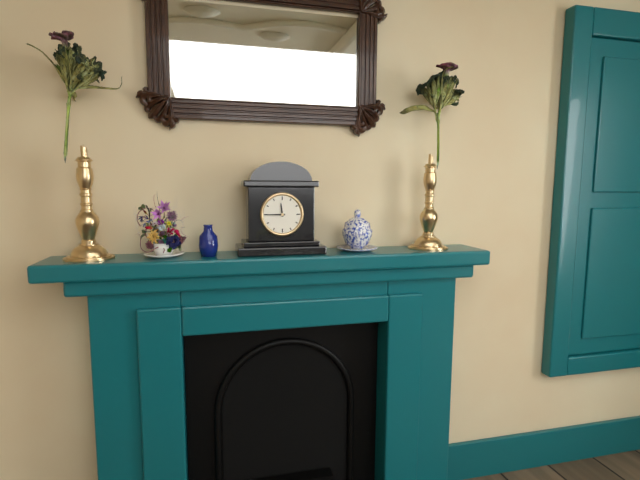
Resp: 11.45
